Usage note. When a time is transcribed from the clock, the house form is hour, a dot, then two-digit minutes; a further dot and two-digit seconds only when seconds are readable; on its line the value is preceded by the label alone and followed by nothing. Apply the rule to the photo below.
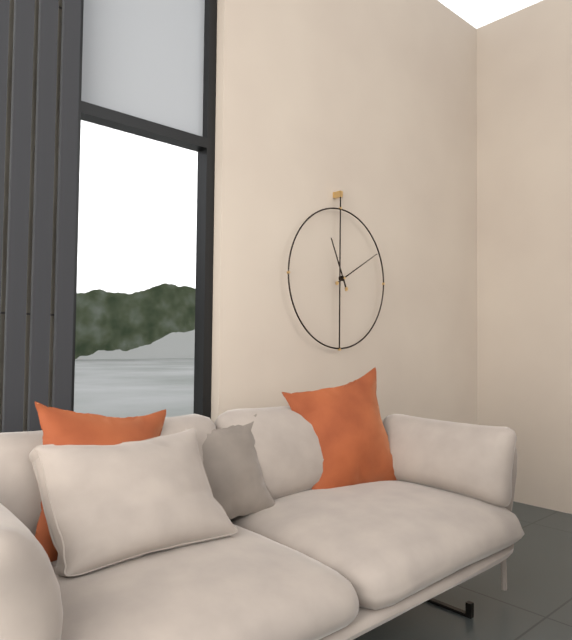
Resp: 11.10
